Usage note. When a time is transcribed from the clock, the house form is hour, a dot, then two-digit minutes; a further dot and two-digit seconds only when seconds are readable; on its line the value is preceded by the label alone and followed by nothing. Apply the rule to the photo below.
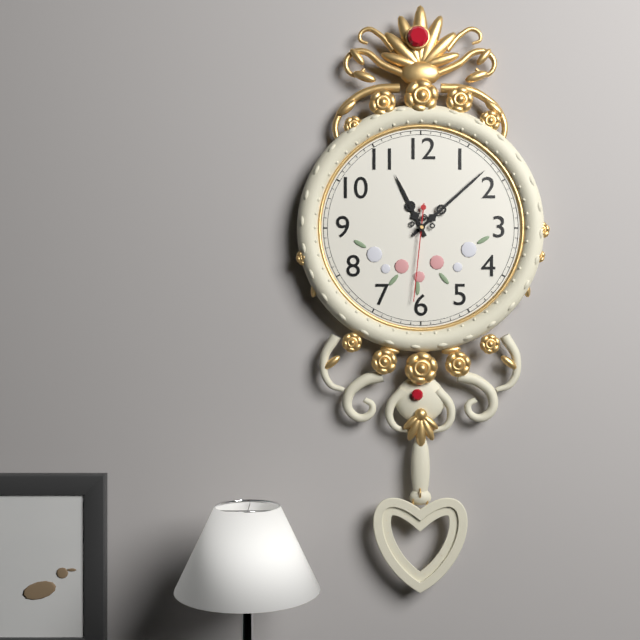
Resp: 11.08.31
